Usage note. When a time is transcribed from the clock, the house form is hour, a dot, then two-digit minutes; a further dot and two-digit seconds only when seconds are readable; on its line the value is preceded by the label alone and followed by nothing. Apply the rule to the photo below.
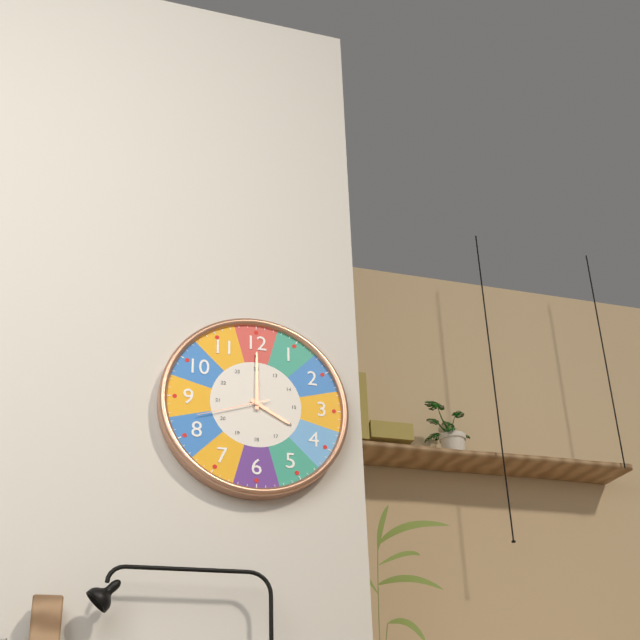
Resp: 4.00.42
